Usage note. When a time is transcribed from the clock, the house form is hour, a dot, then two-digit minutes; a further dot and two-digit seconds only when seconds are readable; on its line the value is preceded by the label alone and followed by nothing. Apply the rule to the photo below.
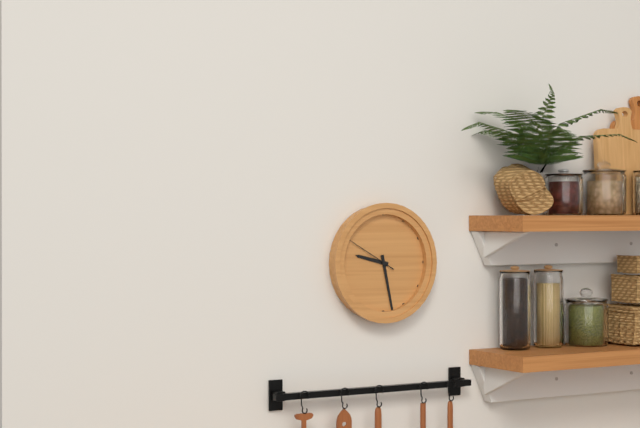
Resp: 9.28.50
